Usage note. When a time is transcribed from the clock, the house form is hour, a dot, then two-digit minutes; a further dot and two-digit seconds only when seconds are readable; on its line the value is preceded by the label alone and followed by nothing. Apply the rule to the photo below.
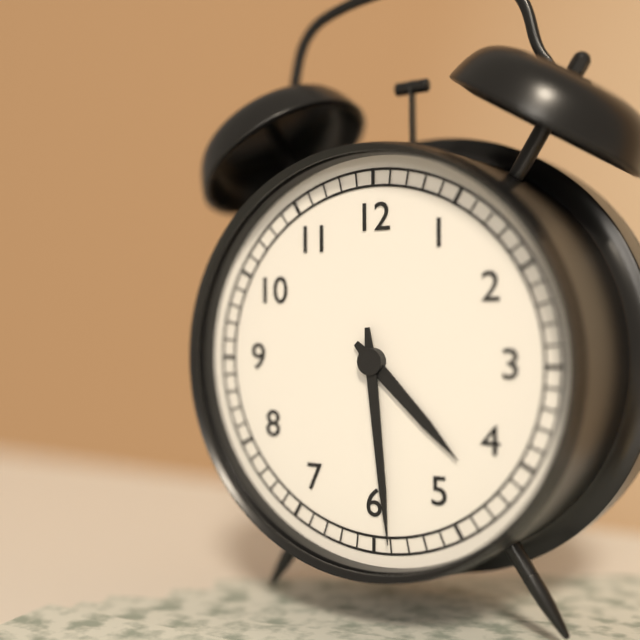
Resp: 4.29
